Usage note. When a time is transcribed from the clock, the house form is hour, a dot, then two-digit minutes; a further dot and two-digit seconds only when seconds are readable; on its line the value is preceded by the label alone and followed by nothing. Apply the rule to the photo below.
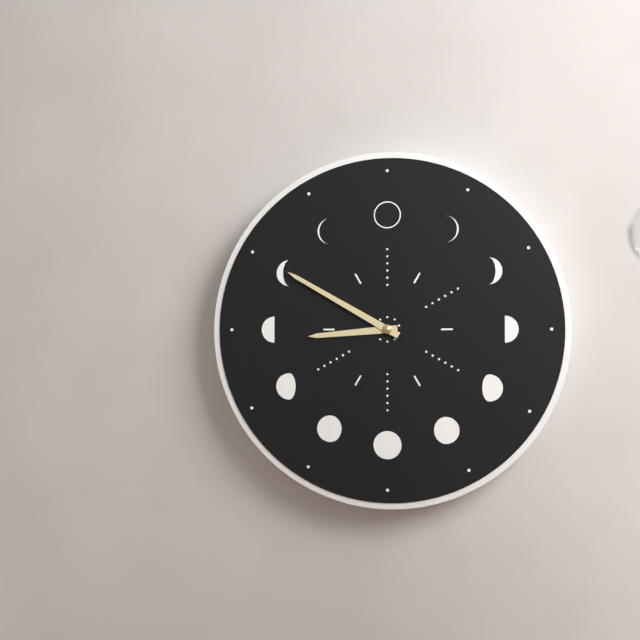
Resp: 8.50
